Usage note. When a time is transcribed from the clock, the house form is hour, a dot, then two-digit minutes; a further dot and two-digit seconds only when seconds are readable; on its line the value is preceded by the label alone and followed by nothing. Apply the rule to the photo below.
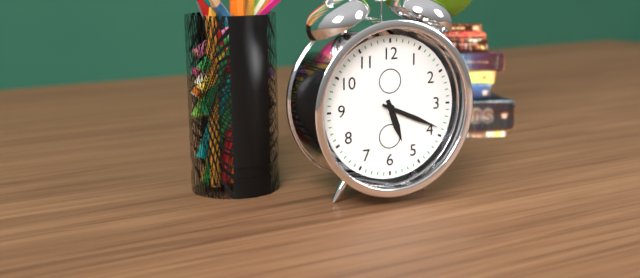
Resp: 5.19
